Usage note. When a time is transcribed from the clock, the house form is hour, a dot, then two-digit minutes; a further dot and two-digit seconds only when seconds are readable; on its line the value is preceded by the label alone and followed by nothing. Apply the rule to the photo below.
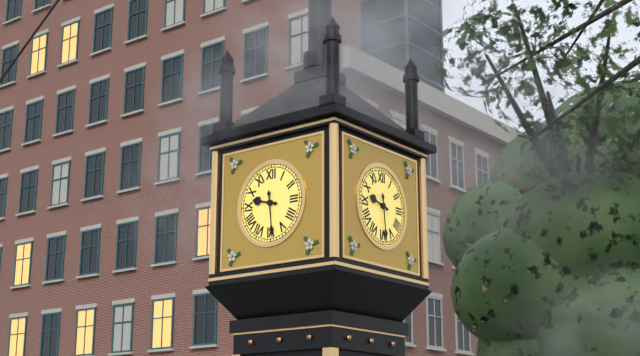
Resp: 9.29
